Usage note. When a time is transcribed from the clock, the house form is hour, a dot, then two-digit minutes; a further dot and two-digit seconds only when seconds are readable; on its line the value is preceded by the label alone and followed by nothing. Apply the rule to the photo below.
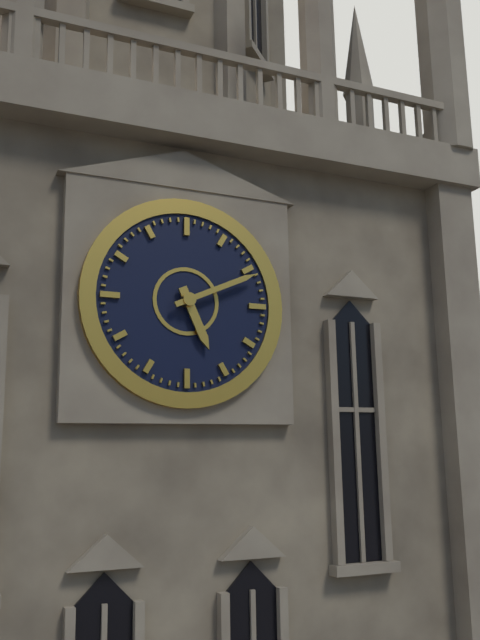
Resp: 5.11
